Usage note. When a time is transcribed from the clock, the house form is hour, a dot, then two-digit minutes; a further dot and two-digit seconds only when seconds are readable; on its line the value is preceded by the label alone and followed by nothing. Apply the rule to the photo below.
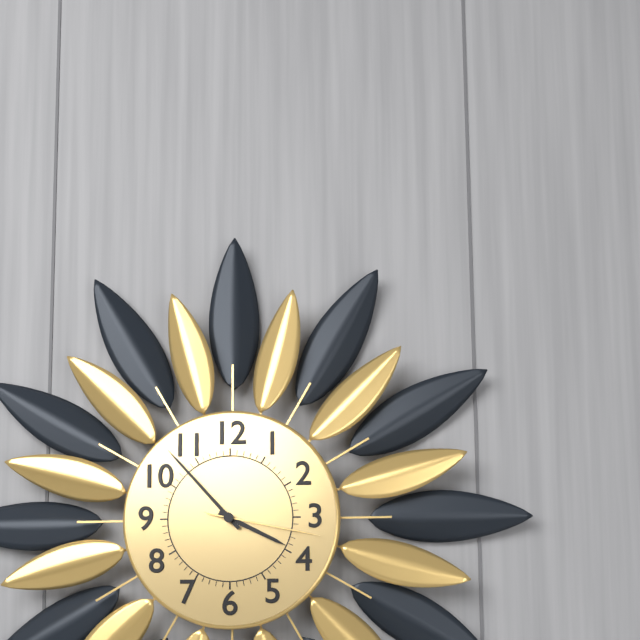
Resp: 3.53.17
